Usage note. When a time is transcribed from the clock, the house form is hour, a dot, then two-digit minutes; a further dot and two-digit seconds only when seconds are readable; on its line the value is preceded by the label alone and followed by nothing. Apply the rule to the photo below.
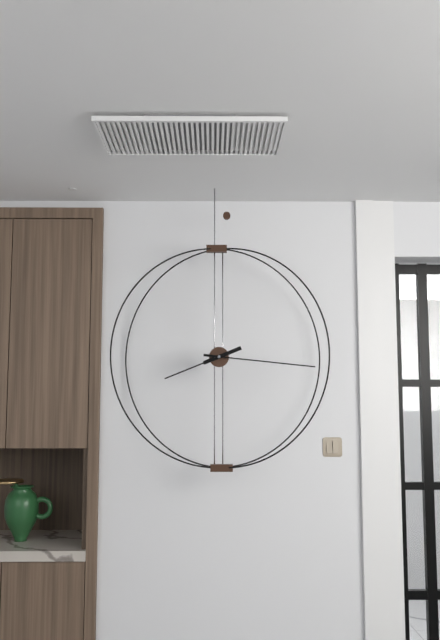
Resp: 8.16
